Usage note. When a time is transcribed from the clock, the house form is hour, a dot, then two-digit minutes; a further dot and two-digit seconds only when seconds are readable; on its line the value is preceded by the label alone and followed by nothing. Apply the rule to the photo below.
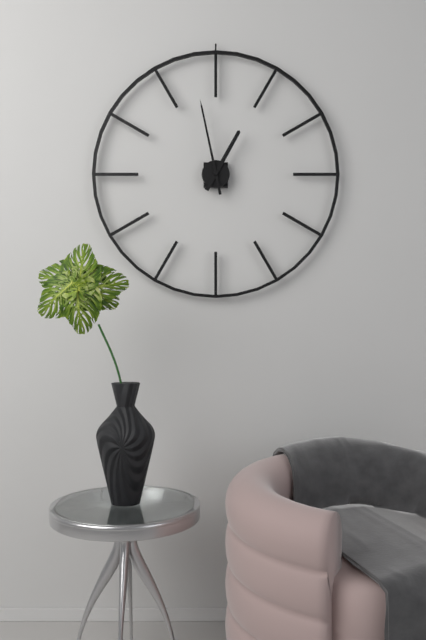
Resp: 12.58
